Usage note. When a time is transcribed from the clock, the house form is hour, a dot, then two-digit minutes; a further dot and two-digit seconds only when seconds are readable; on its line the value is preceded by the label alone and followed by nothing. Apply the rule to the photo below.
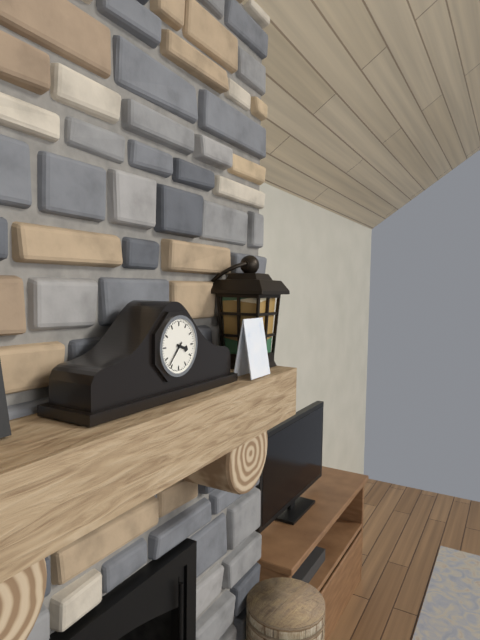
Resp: 3.37
